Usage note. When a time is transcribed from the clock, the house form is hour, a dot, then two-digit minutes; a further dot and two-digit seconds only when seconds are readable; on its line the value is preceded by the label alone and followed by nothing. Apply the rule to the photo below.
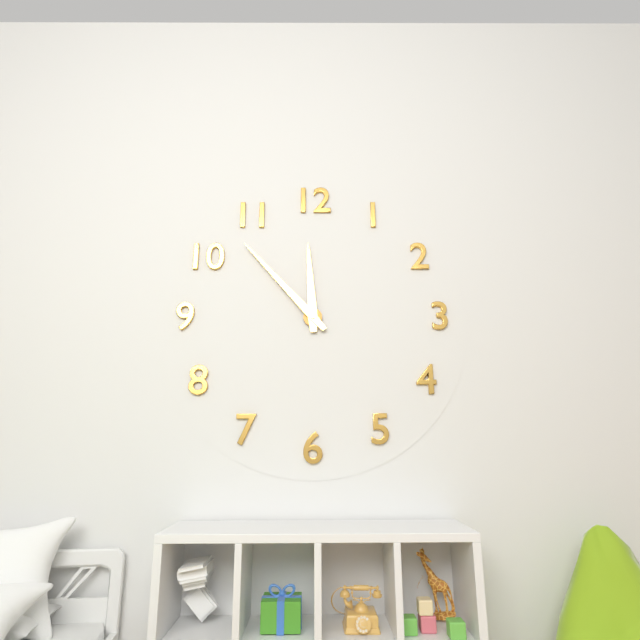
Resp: 11.53
